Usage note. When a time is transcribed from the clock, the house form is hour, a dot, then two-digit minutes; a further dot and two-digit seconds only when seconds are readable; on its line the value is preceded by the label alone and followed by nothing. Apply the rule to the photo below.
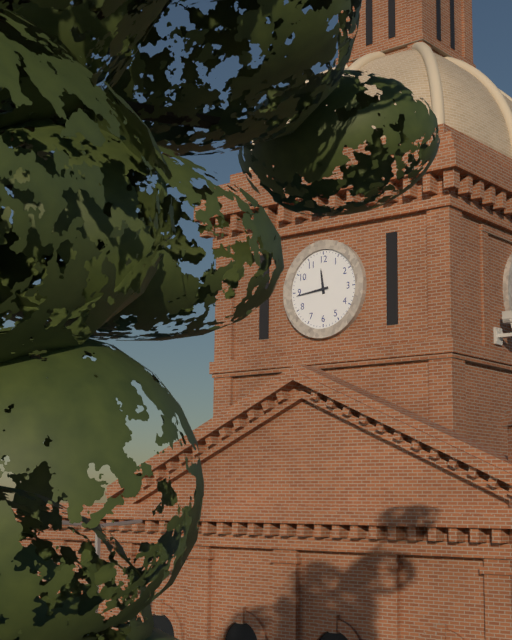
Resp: 11.44
